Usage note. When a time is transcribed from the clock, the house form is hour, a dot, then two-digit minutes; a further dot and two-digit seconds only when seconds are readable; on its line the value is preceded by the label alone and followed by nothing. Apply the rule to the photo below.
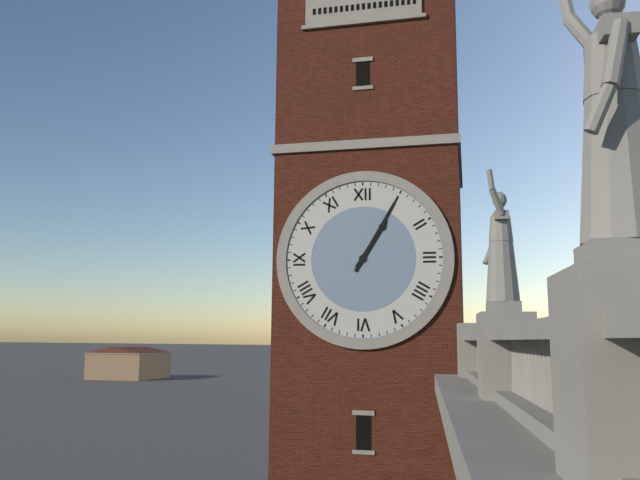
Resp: 1.05
